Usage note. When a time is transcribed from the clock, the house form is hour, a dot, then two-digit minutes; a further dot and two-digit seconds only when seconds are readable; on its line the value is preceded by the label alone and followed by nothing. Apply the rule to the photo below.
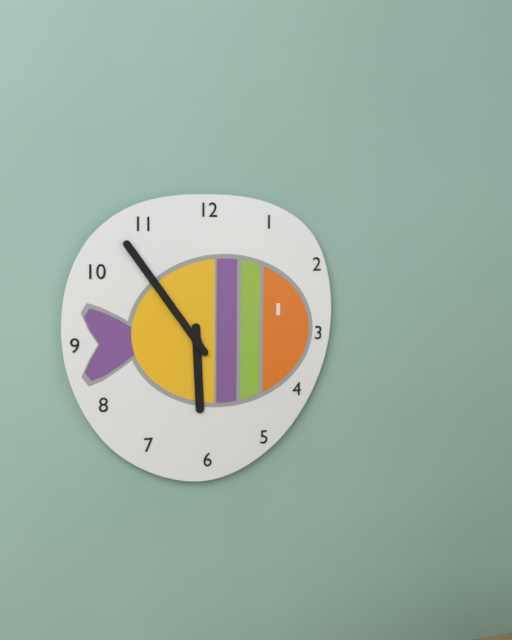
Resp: 5.54
